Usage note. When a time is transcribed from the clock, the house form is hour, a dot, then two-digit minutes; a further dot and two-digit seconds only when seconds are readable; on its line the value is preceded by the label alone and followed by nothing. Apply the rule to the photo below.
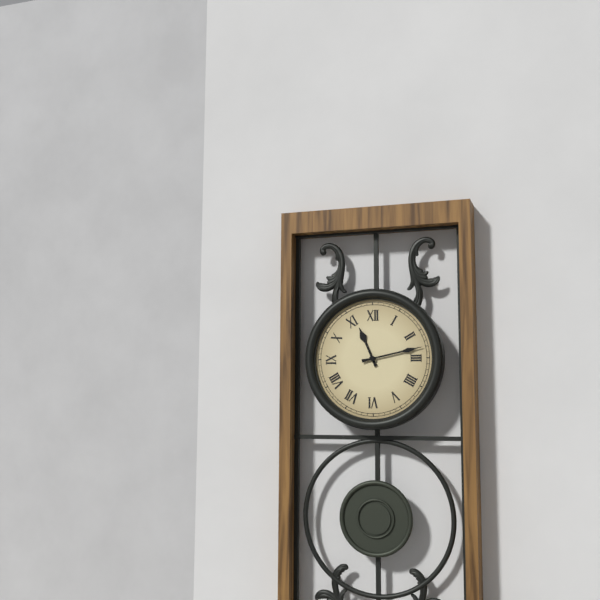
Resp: 11.13
